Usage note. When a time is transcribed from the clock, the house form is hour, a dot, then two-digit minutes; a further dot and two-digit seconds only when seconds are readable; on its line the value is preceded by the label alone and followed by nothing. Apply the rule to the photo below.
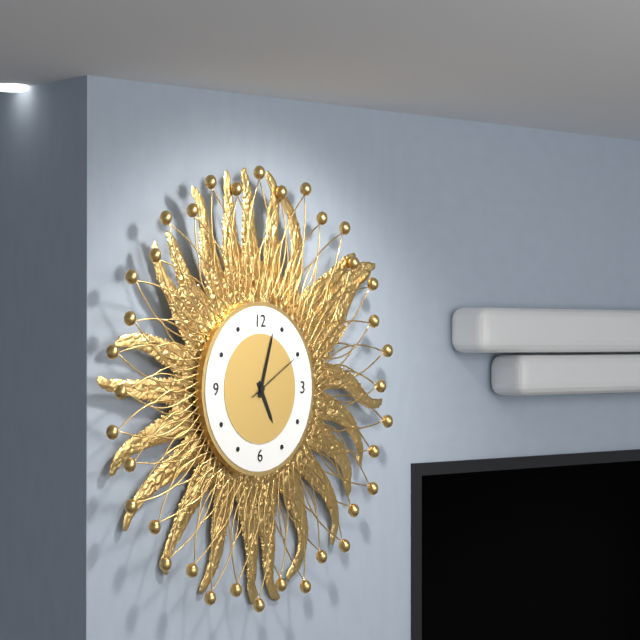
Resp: 5.03.10
